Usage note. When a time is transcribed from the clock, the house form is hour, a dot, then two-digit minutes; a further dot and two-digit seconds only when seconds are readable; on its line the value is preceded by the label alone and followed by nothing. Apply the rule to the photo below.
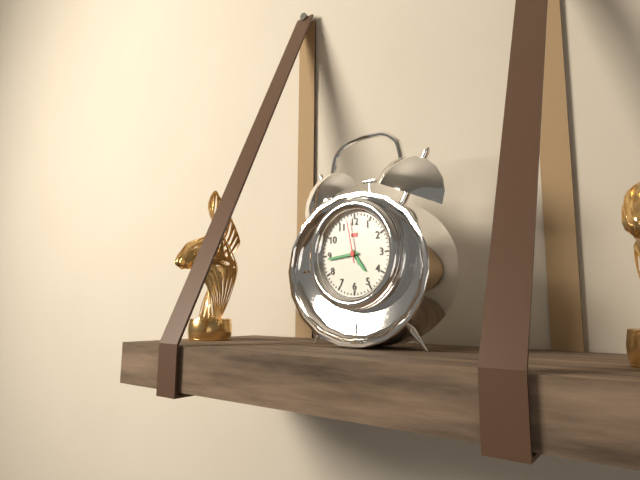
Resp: 4.44
